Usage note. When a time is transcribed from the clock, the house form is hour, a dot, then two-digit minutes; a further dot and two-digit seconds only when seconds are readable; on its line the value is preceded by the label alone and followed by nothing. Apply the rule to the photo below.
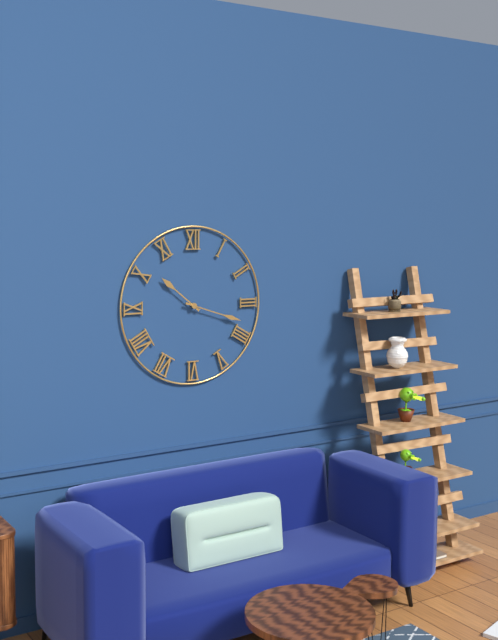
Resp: 10.18
